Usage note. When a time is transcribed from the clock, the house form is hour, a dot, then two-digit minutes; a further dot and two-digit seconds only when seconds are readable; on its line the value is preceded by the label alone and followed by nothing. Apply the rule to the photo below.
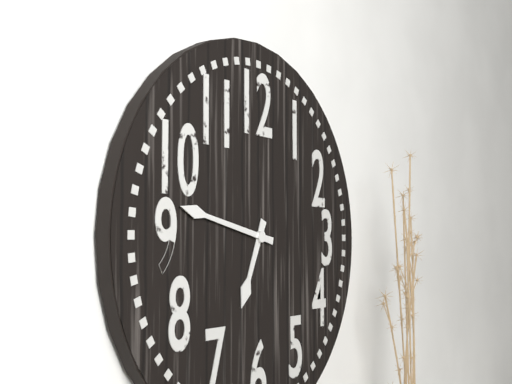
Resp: 6.47
